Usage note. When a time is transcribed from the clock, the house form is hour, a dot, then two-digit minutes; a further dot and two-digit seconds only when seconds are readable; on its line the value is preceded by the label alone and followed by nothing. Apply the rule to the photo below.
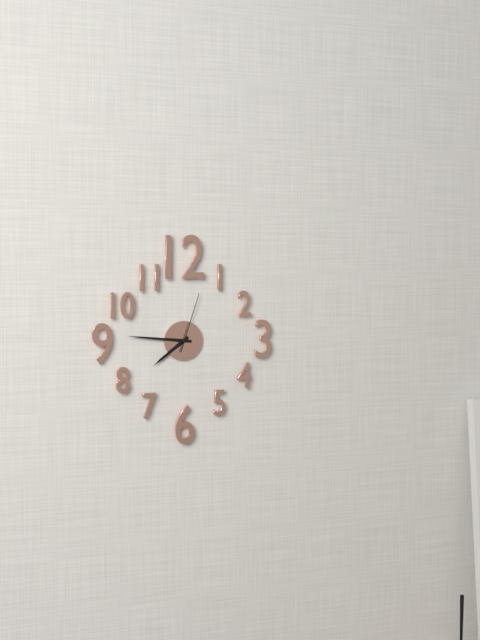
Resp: 7.46.03
